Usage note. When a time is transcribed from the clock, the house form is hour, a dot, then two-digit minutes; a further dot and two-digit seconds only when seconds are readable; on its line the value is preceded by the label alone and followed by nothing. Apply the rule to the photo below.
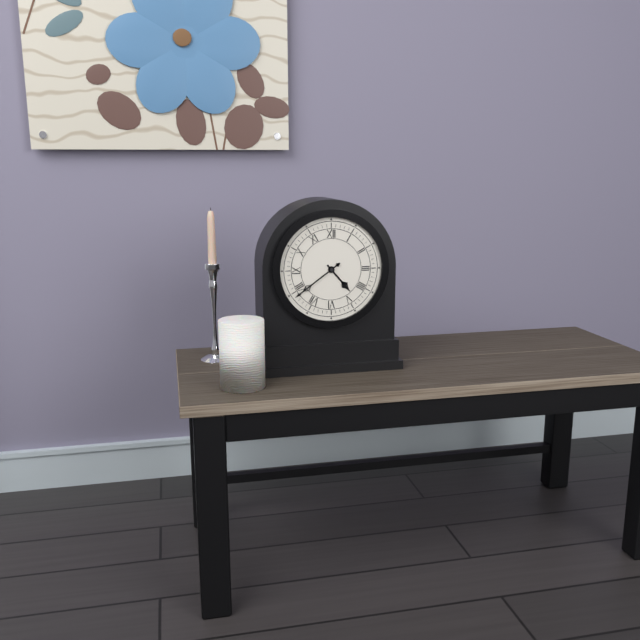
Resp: 4.39
